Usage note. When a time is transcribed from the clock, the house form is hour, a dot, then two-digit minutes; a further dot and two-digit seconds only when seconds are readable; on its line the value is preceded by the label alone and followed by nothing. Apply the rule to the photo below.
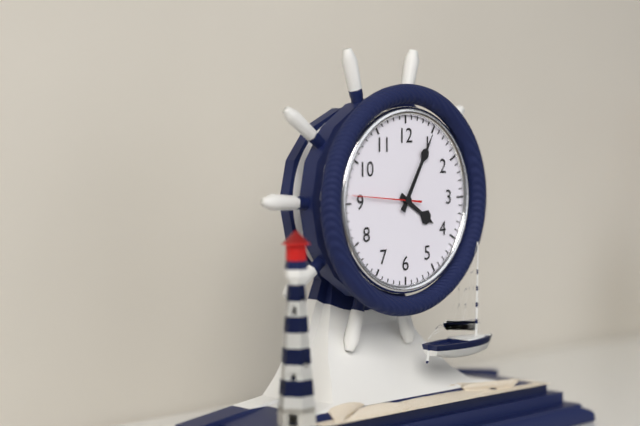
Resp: 4.05.46
